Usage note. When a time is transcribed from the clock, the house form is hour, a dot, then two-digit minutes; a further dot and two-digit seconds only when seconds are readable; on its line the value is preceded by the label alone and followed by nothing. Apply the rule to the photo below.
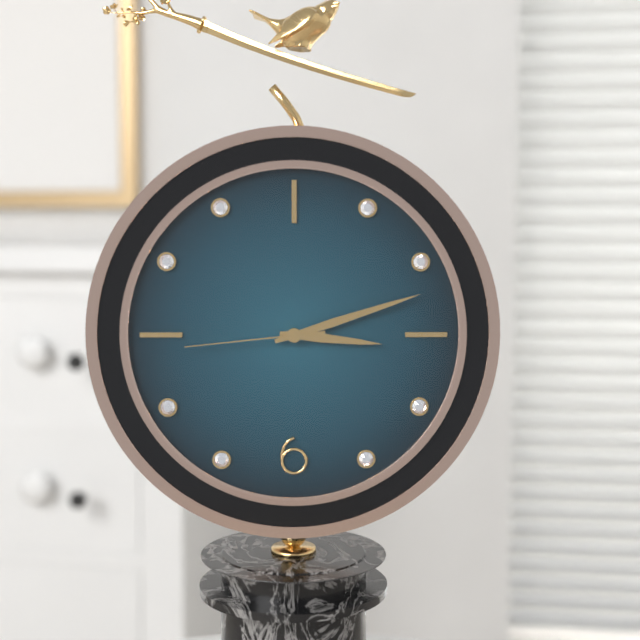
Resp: 3.12.44
